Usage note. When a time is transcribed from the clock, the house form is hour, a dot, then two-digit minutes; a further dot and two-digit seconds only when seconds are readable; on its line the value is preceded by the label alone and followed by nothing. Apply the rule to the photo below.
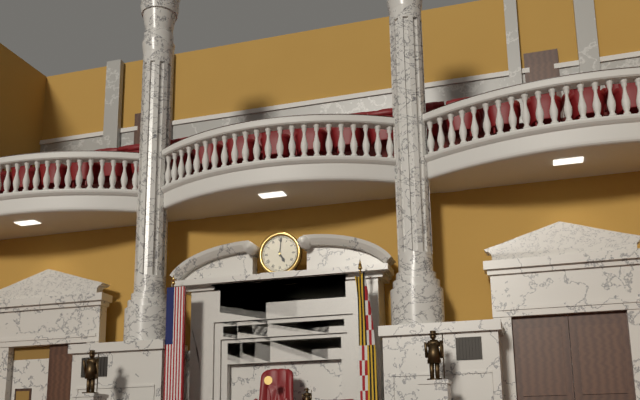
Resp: 5.01
